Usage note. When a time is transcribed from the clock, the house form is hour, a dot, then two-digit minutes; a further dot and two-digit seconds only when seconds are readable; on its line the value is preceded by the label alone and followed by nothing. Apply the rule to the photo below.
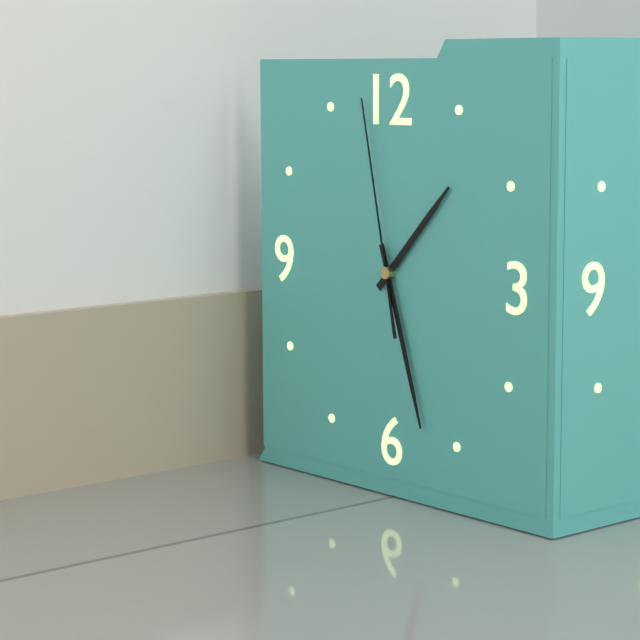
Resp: 1.27.58
